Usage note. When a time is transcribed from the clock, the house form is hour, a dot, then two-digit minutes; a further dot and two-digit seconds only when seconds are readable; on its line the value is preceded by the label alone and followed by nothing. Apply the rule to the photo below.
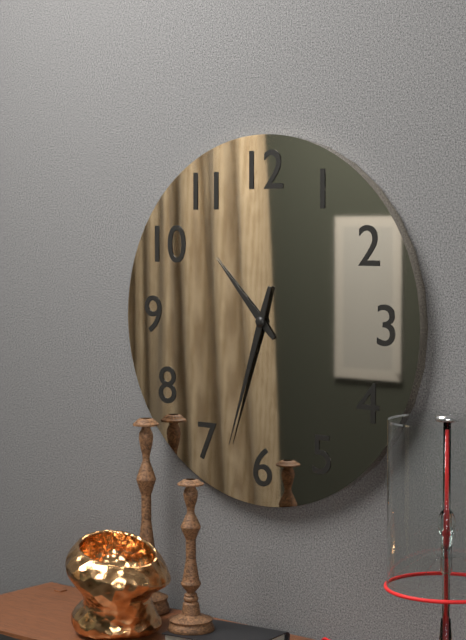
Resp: 10.33
